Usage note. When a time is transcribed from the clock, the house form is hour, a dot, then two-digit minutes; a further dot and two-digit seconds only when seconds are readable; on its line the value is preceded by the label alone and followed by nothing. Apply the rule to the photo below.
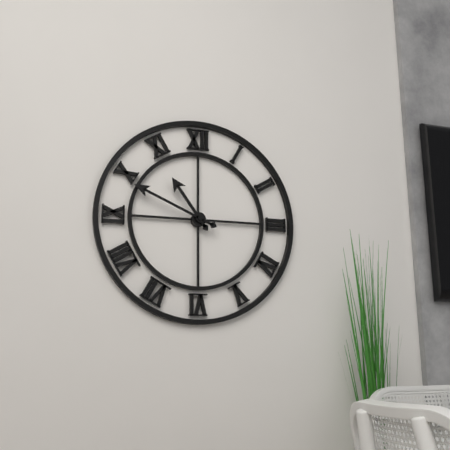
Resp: 10.49
